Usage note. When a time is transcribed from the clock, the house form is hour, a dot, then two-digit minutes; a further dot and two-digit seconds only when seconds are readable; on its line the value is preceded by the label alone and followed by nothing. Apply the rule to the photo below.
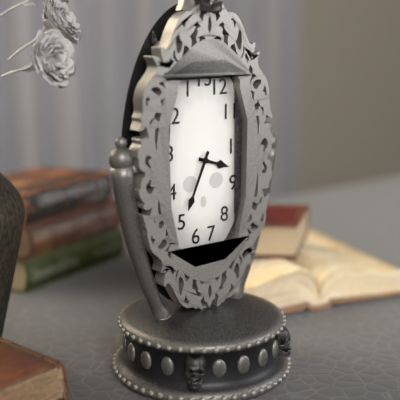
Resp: 3.34
